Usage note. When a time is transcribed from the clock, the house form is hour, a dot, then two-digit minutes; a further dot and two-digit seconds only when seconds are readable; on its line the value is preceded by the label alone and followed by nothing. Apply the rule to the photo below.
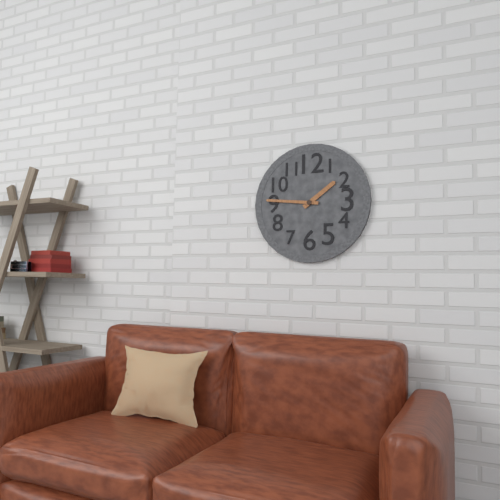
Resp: 1.46
